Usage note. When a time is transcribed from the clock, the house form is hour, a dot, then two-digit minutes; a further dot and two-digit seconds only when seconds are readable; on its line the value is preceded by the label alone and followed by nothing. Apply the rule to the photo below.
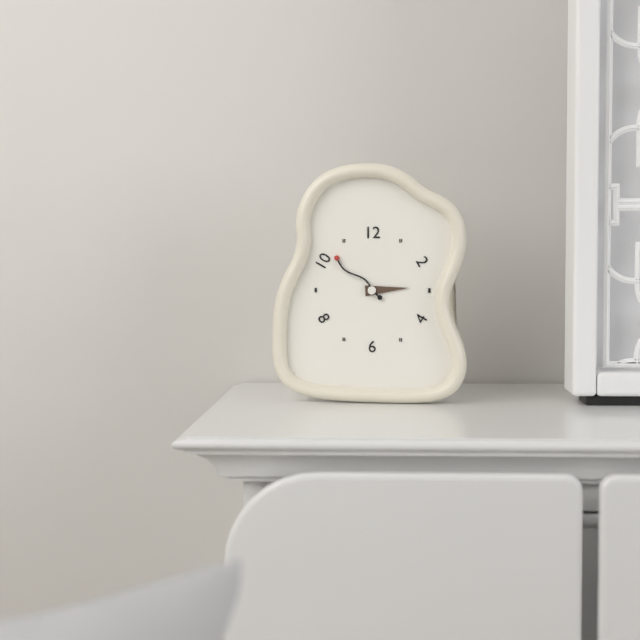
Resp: 2.52
